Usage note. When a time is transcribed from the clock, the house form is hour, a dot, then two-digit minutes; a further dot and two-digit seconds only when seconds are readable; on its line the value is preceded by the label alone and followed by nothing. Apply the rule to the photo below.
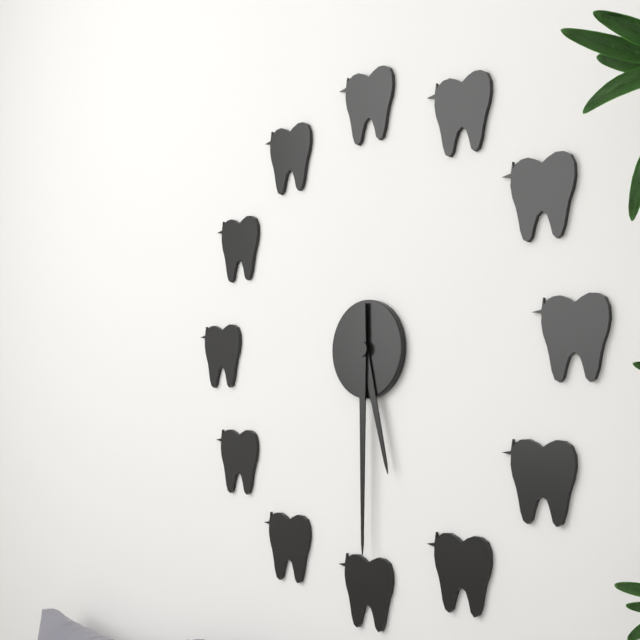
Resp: 5.30
